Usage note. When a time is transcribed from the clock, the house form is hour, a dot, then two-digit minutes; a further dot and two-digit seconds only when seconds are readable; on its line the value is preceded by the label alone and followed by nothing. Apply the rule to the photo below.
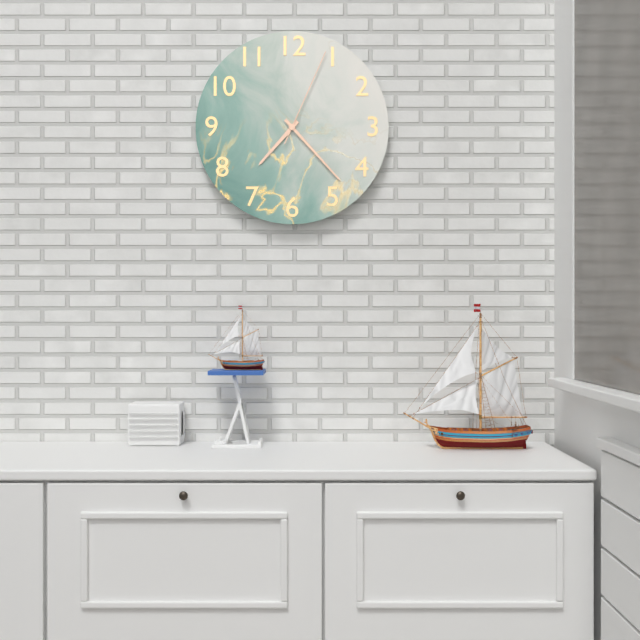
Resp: 7.23.04
